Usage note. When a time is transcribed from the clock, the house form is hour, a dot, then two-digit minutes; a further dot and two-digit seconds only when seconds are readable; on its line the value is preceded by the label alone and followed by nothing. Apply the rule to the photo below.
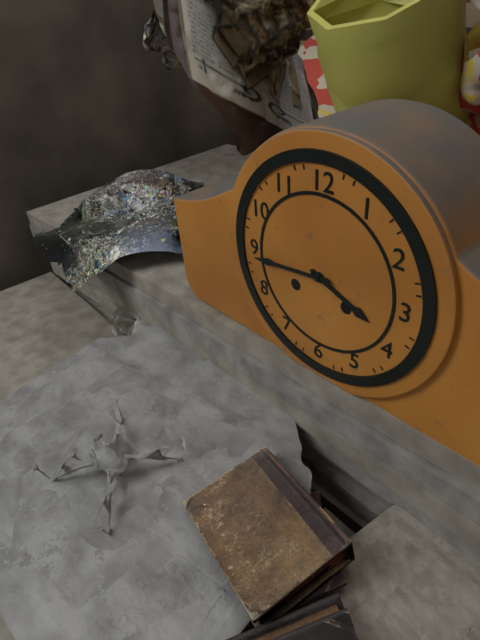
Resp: 3.44
